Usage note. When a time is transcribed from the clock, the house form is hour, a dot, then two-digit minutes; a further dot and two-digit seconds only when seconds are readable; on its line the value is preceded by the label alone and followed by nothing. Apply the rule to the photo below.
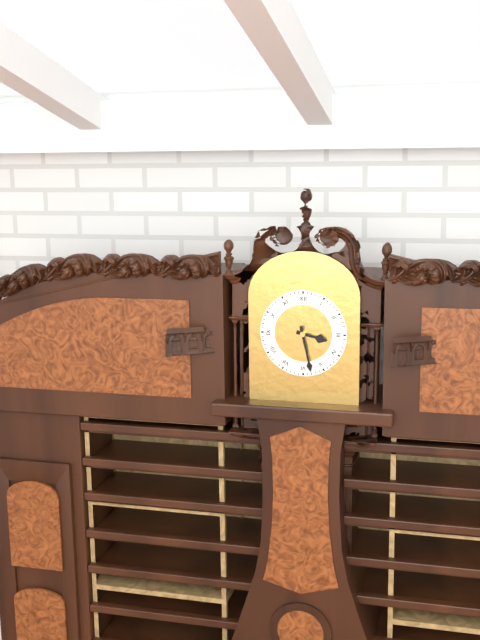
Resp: 3.28
